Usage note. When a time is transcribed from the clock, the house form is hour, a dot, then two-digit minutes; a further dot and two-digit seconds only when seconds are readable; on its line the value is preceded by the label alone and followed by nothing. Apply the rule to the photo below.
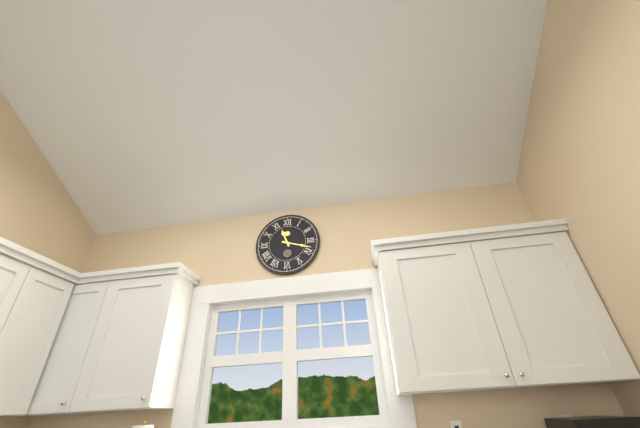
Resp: 11.18
